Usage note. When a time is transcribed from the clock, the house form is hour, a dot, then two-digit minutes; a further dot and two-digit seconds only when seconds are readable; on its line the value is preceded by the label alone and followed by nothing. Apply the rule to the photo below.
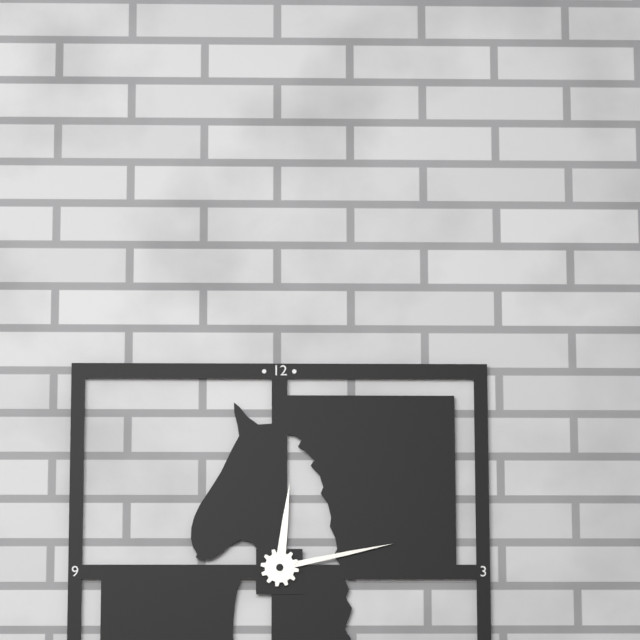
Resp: 12.13
